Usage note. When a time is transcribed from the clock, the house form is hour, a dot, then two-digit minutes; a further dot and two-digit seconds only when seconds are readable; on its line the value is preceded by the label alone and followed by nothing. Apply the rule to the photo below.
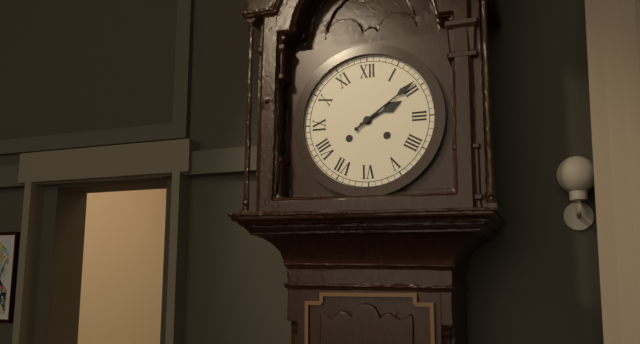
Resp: 2.09
